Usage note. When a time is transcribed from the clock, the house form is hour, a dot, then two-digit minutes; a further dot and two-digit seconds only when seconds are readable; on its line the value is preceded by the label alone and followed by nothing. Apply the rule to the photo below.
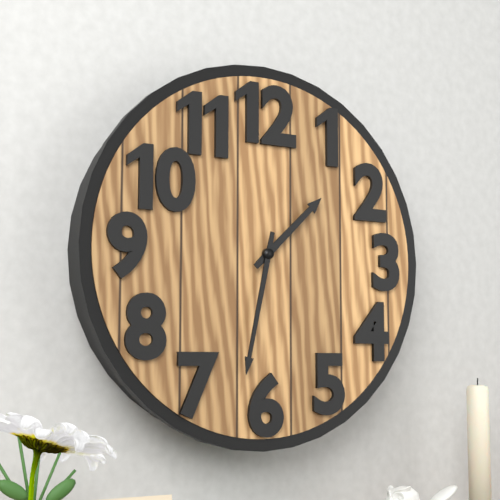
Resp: 1.32
